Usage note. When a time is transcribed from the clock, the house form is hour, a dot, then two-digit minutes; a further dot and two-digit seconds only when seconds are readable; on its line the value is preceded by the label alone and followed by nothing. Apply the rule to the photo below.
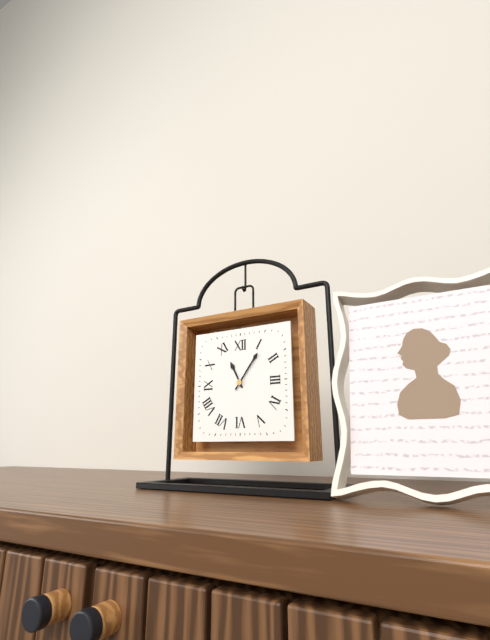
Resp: 11.06
